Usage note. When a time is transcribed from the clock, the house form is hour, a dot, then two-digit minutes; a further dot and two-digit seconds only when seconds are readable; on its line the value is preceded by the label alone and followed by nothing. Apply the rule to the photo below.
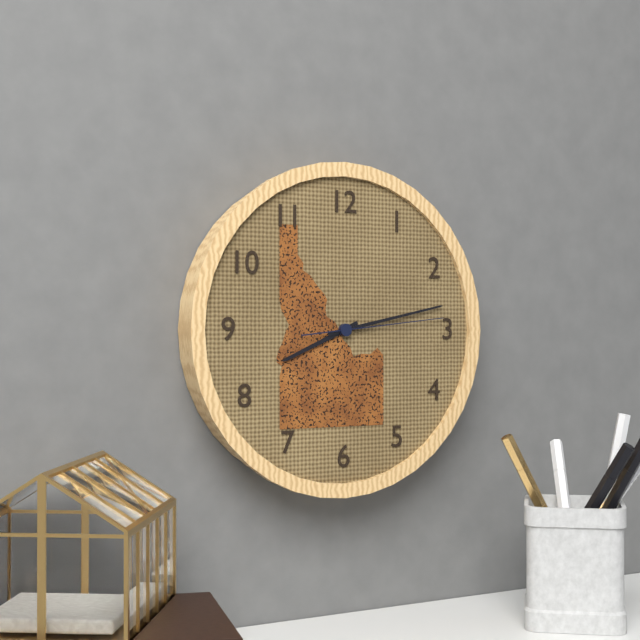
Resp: 8.13.14
